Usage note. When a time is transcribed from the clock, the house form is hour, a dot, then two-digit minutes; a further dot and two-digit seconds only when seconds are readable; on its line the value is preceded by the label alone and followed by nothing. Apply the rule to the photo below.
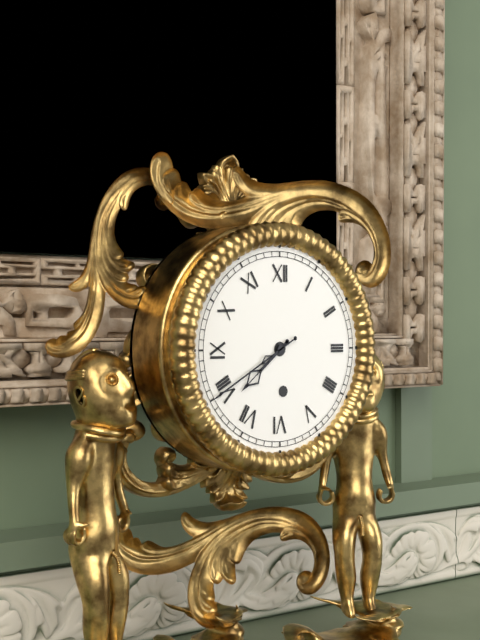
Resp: 7.40
